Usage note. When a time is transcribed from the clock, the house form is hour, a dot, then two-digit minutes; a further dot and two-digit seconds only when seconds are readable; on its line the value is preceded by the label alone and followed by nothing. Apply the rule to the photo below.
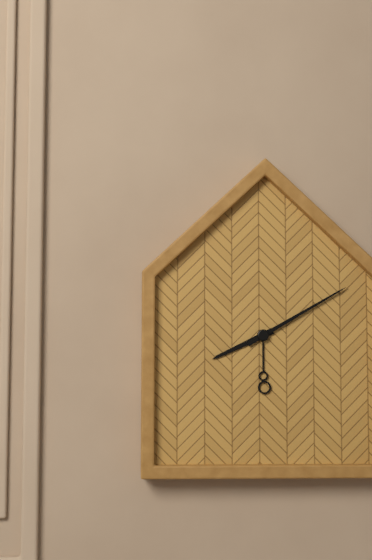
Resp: 8.10
